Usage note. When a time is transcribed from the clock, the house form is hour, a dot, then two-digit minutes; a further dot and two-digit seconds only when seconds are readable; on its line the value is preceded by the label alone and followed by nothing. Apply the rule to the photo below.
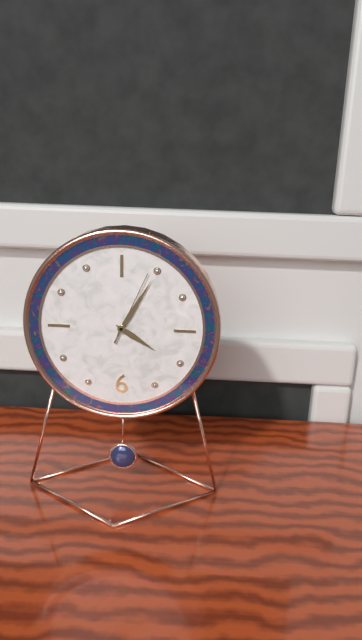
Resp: 4.05.04
